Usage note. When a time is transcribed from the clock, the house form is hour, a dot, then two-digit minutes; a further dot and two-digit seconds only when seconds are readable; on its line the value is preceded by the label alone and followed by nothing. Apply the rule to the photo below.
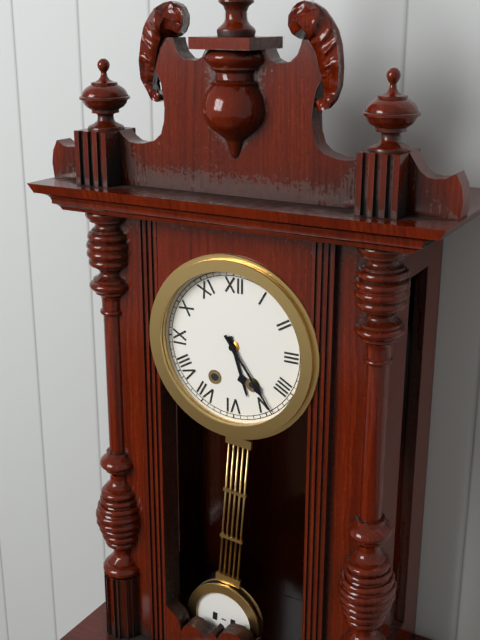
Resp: 5.24
